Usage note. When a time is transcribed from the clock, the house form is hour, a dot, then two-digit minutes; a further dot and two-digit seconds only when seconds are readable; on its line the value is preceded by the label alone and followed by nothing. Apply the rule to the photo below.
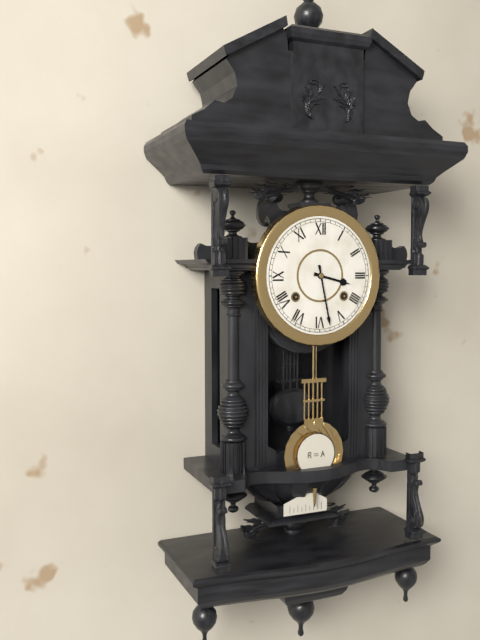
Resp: 3.28
